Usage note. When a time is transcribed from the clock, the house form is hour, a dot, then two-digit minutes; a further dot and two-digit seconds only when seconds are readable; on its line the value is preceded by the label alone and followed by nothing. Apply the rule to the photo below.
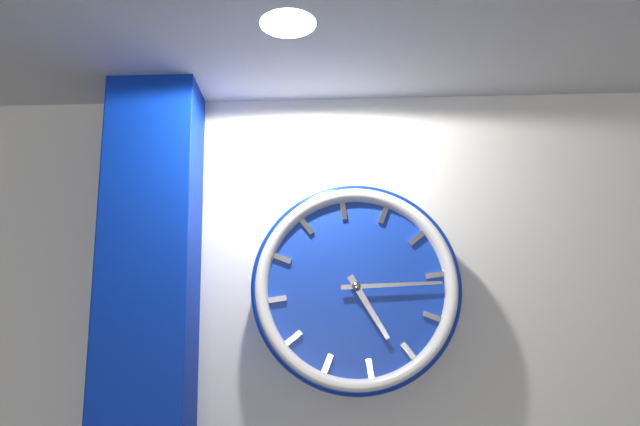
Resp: 5.16
